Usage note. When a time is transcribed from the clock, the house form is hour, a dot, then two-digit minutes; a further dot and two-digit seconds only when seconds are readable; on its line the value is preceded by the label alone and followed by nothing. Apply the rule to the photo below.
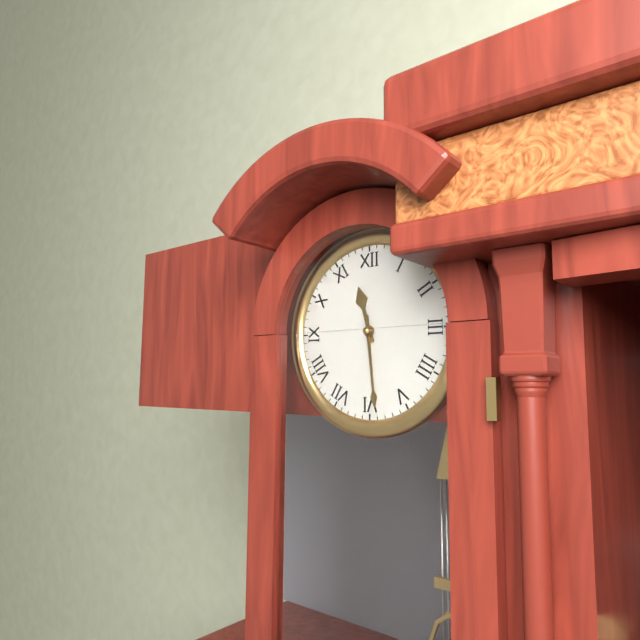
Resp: 11.29
